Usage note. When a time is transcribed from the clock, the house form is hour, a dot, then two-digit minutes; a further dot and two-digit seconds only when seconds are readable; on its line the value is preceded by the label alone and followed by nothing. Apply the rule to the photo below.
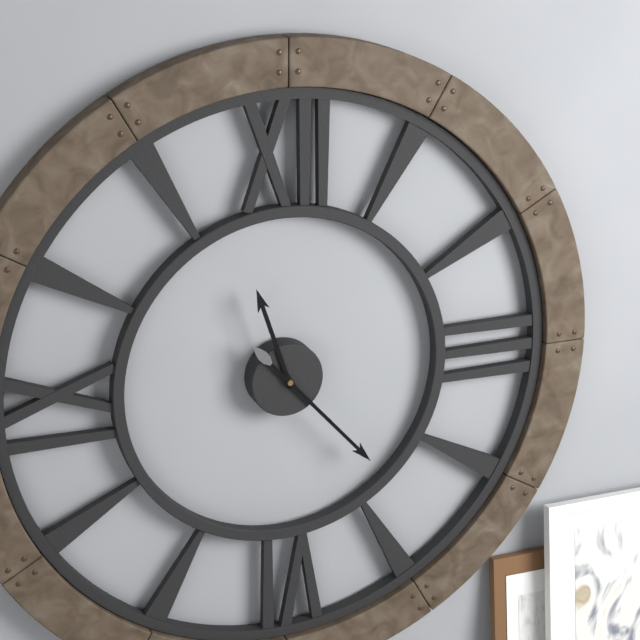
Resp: 11.23
